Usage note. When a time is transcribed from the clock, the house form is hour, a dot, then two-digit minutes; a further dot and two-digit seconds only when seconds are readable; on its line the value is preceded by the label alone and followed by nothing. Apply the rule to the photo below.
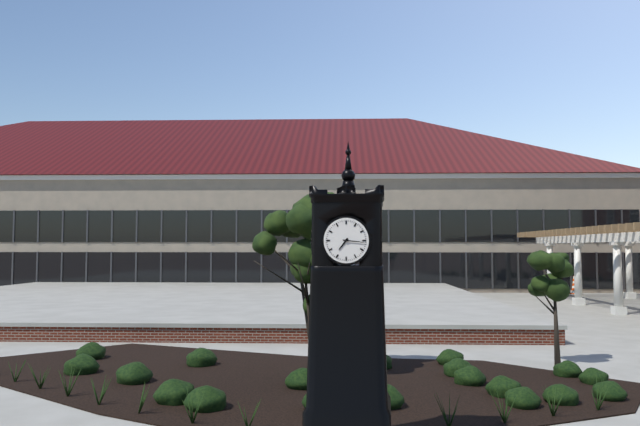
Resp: 7.16
